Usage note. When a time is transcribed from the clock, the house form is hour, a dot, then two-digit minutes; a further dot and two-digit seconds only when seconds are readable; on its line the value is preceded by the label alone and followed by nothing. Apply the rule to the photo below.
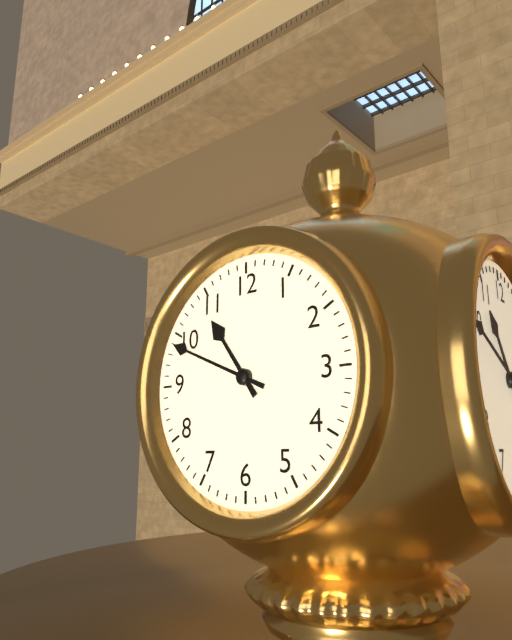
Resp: 10.49
